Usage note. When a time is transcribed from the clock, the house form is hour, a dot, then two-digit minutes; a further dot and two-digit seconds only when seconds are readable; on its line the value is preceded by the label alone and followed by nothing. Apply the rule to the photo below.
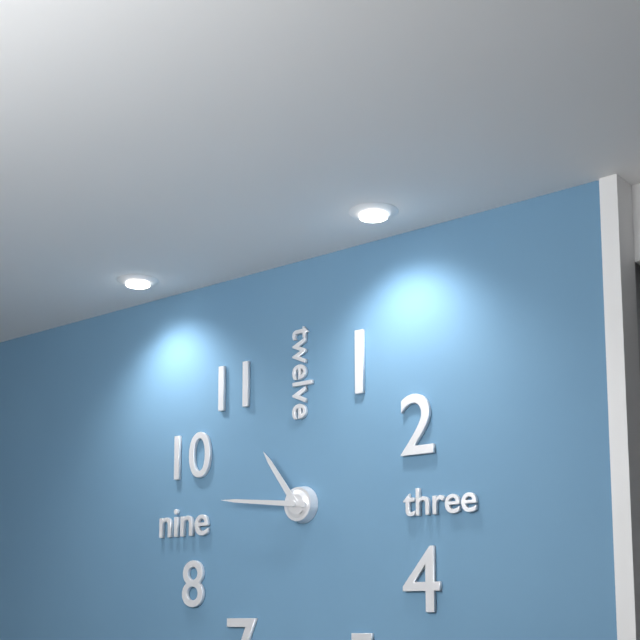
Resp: 10.46
